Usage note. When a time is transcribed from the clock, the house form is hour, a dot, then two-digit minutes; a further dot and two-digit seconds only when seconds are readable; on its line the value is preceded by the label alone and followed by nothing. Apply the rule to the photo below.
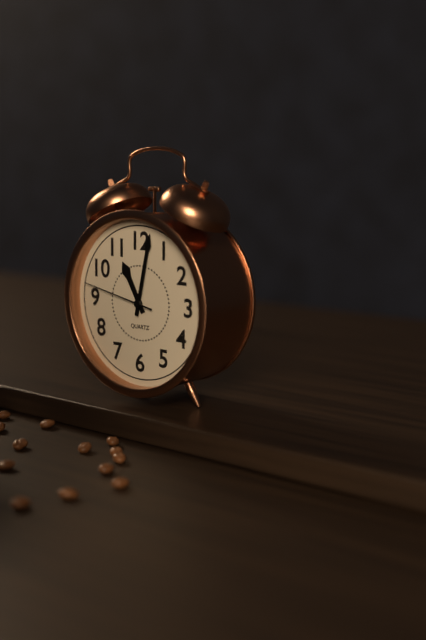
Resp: 11.02.47
